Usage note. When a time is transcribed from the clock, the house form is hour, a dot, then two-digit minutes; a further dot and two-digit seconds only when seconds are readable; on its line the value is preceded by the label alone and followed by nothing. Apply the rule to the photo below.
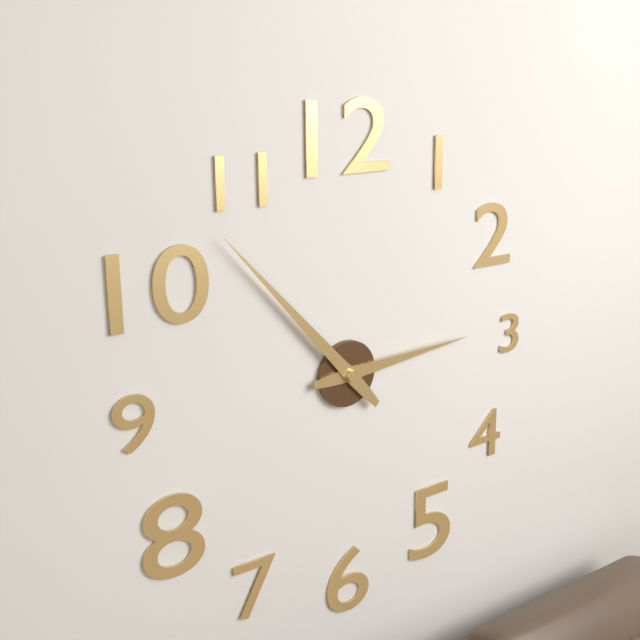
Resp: 2.53
